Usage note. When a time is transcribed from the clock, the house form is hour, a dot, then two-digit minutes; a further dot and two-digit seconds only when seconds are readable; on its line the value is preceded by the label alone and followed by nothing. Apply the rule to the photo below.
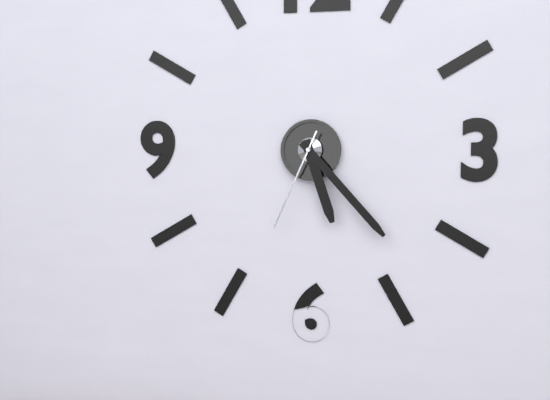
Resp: 5.23.34
